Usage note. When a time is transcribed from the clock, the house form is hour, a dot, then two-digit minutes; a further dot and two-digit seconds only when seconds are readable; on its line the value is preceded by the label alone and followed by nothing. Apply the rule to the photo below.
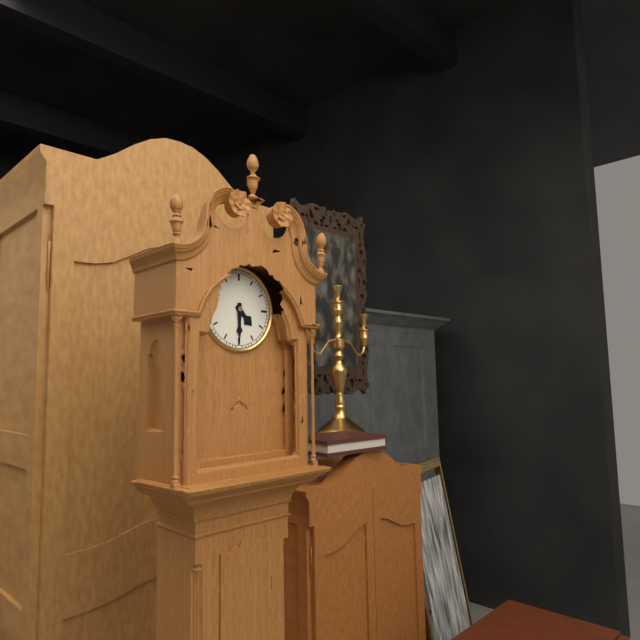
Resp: 4.30
